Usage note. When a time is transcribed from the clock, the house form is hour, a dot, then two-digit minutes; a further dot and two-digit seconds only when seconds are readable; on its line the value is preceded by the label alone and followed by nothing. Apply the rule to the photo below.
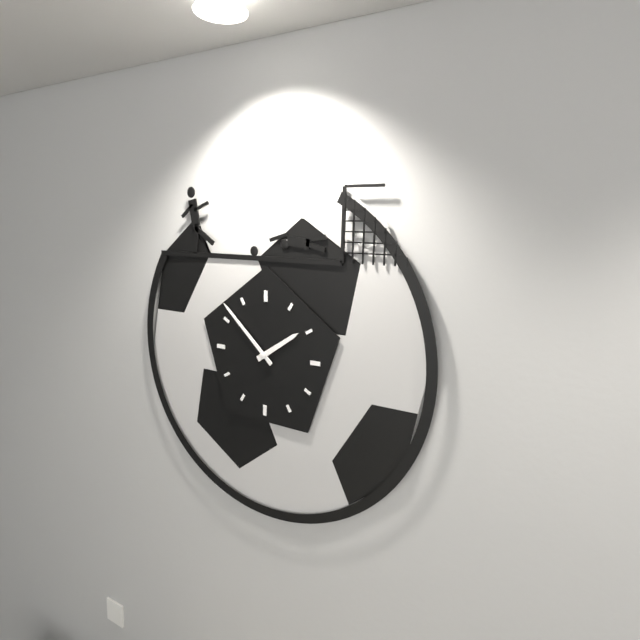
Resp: 1.52
